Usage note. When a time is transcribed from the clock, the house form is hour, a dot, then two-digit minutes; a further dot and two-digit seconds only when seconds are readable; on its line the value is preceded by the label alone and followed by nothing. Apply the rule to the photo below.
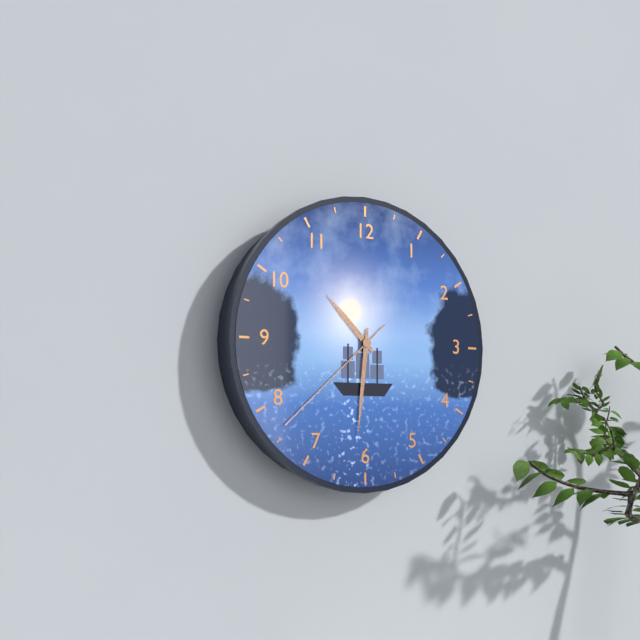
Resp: 10.31.38
